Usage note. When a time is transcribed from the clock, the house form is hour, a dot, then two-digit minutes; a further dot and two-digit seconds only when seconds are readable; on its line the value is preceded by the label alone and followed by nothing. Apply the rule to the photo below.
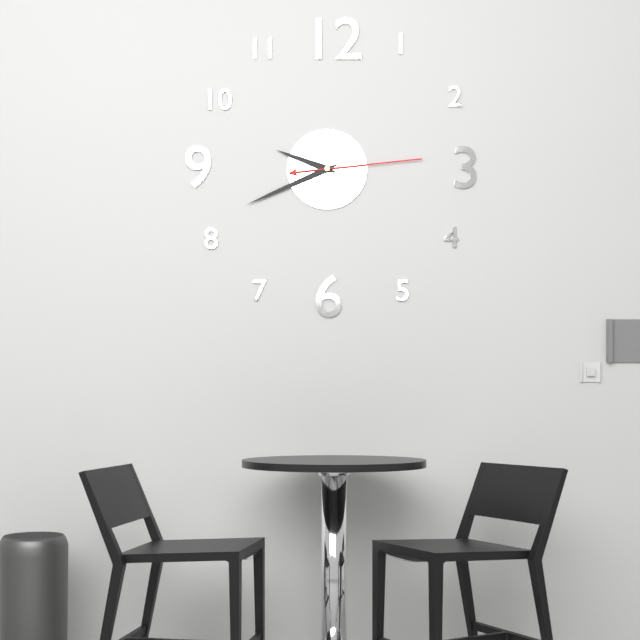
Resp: 9.41.14
